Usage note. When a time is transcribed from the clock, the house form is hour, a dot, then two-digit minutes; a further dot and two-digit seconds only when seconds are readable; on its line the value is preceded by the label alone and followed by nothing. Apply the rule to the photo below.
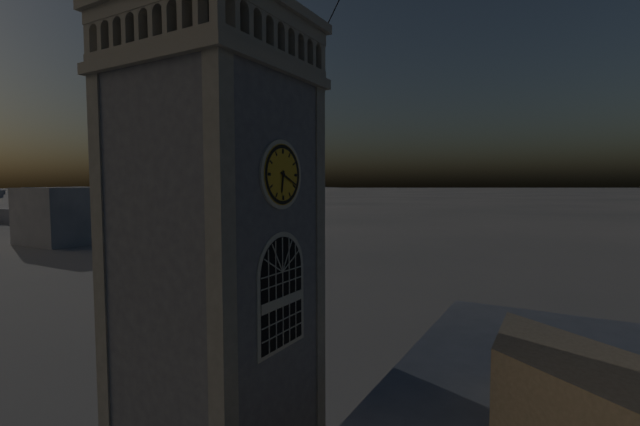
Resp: 6.19
